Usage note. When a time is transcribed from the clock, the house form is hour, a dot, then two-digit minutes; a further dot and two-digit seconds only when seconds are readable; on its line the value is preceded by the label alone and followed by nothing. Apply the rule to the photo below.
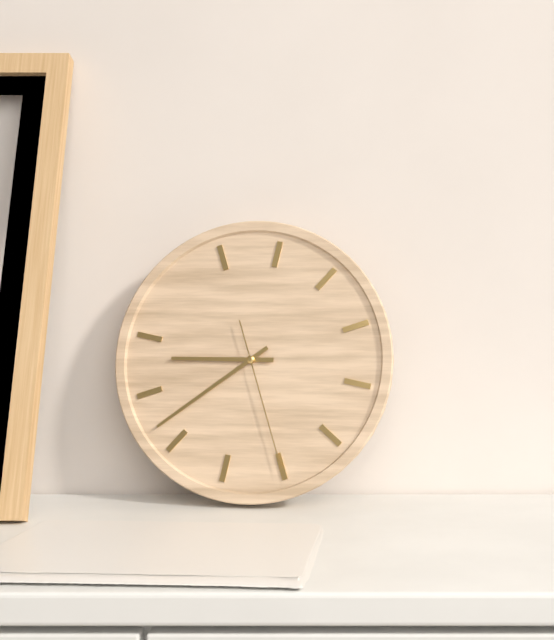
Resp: 8.37.25
